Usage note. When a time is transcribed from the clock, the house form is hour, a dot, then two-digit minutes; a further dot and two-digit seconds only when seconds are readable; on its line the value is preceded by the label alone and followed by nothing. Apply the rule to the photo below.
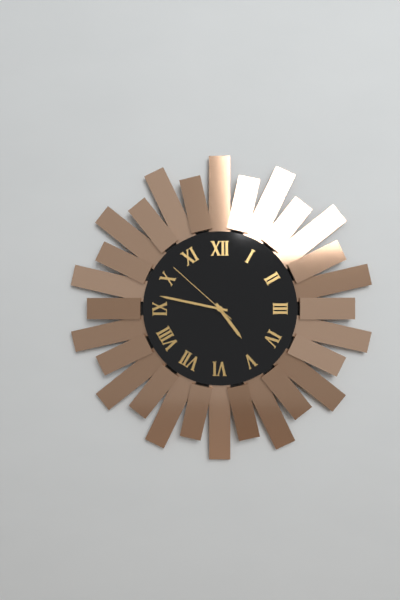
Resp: 4.47.52
